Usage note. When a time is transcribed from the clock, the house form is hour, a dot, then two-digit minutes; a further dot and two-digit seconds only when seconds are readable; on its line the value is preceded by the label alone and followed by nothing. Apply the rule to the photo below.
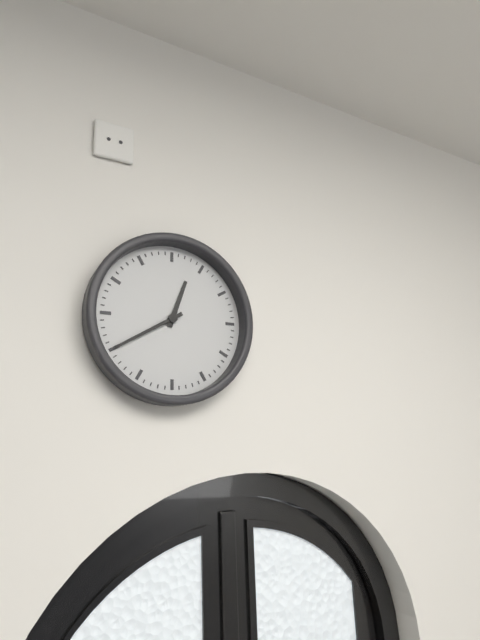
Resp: 12.40
